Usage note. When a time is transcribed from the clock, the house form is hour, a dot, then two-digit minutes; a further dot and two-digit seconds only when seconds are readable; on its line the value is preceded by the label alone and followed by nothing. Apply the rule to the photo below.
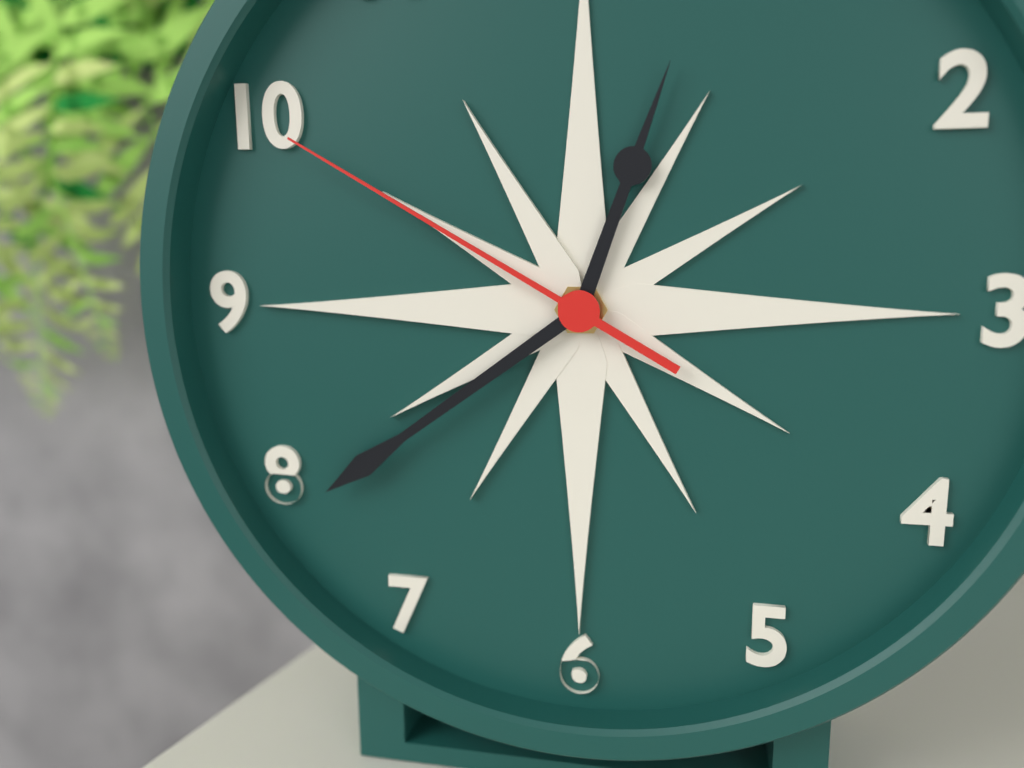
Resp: 12.39.50
